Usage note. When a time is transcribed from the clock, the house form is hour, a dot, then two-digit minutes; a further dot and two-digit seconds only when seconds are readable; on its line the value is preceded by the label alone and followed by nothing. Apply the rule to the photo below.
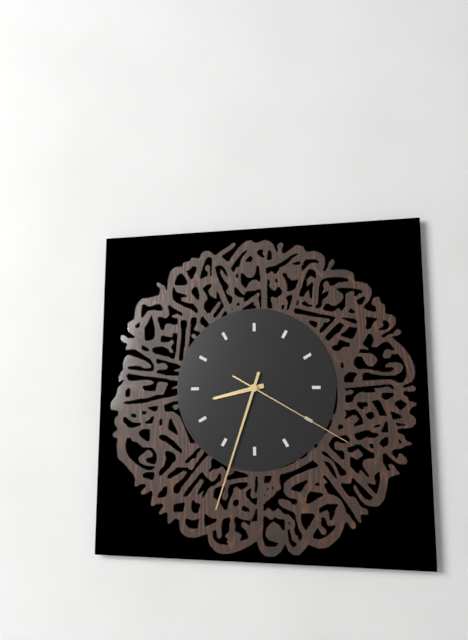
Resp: 8.33.20
